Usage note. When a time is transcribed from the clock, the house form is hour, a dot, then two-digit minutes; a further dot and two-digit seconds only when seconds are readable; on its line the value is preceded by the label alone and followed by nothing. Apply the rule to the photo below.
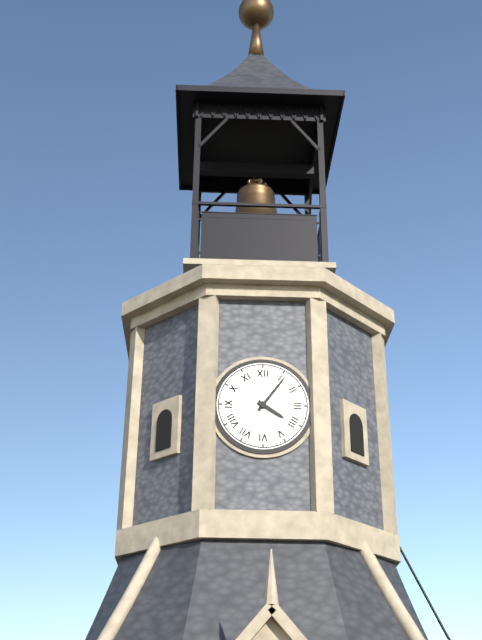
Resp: 4.06
